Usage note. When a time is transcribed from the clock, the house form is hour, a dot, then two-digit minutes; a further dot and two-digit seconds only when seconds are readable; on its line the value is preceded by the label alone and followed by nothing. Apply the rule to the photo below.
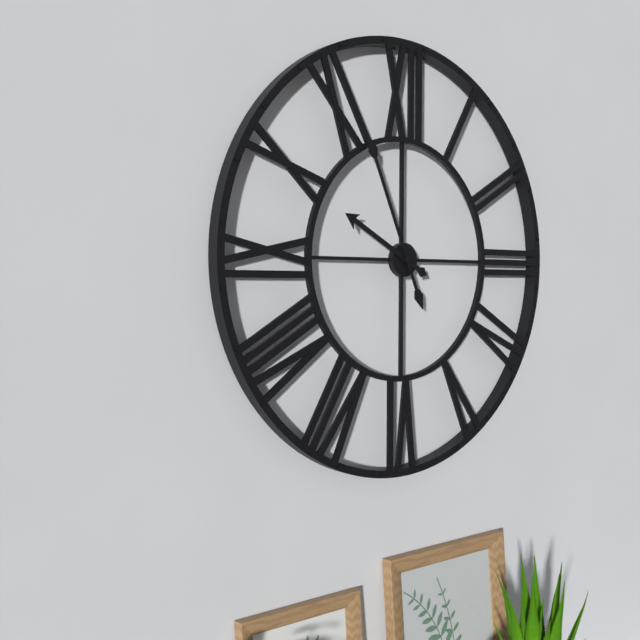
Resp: 9.56
